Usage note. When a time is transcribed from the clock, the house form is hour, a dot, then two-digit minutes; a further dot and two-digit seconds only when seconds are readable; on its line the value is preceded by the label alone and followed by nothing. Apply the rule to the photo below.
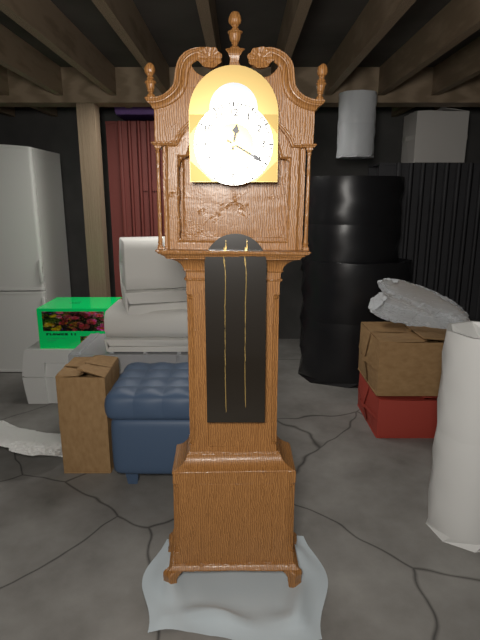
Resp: 12.20
